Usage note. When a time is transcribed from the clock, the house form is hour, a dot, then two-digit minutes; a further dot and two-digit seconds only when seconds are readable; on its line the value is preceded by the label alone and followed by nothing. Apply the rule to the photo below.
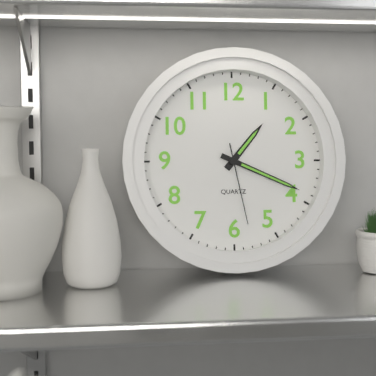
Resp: 1.19.28
